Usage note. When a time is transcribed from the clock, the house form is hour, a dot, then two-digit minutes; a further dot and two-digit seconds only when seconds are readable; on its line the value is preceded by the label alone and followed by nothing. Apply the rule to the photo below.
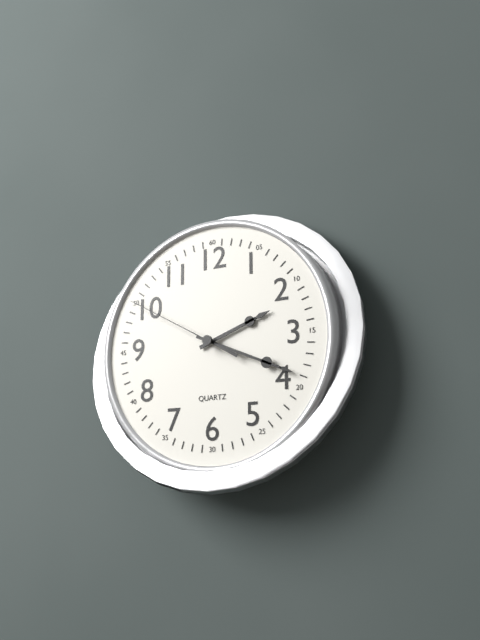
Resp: 2.19.50
